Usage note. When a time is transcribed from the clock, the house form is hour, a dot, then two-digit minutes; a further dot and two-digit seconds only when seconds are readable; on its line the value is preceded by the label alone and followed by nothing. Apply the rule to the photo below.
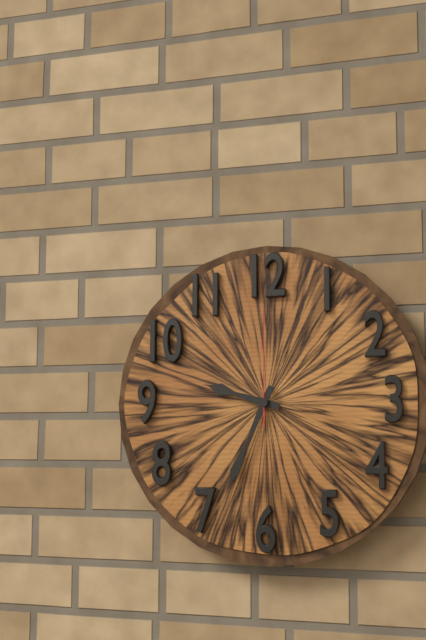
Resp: 9.34.00
